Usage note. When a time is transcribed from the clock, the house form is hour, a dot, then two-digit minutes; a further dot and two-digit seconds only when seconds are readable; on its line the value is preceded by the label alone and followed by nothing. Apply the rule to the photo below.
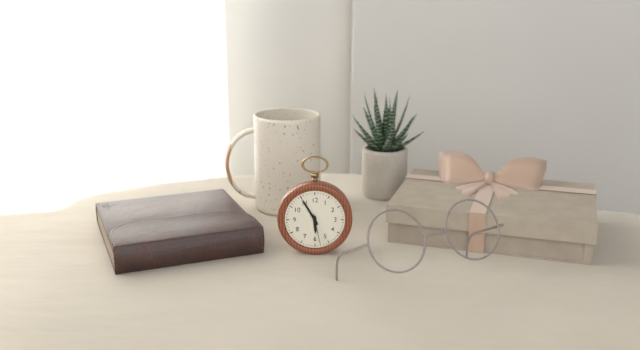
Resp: 5.55
